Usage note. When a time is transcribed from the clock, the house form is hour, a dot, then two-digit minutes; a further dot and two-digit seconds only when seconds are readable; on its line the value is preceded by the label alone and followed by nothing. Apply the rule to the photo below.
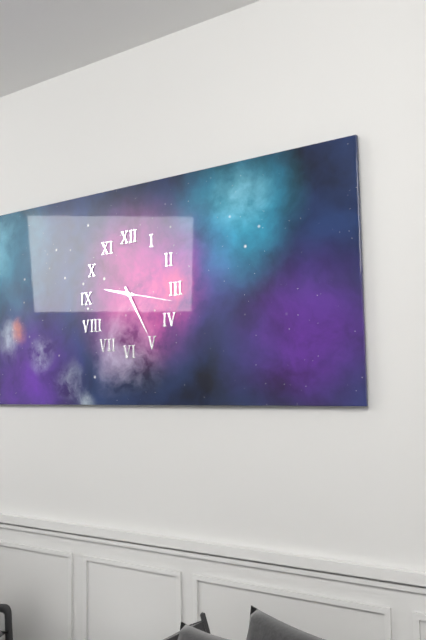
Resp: 9.25
